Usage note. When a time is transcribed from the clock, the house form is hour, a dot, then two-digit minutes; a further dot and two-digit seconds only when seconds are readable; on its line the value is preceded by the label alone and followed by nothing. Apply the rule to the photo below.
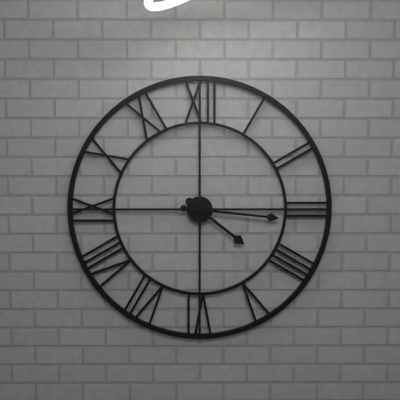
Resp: 4.16
